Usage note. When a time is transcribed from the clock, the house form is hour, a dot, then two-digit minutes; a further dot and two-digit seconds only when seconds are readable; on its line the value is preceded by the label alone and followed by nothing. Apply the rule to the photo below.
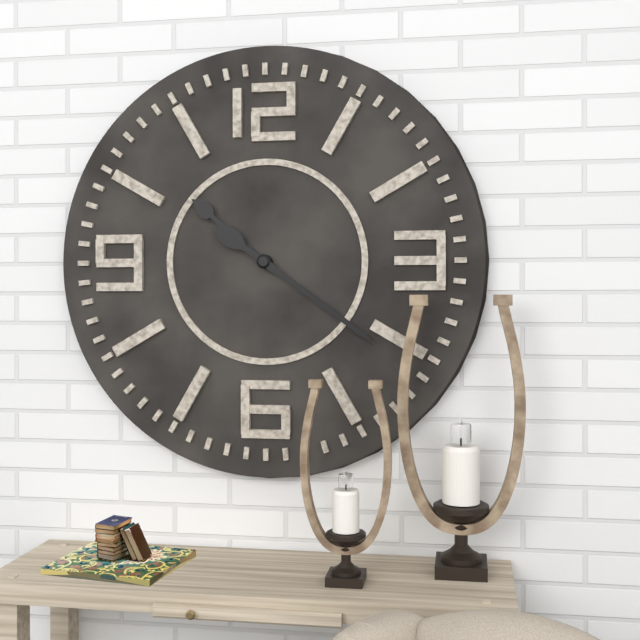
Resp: 10.21
